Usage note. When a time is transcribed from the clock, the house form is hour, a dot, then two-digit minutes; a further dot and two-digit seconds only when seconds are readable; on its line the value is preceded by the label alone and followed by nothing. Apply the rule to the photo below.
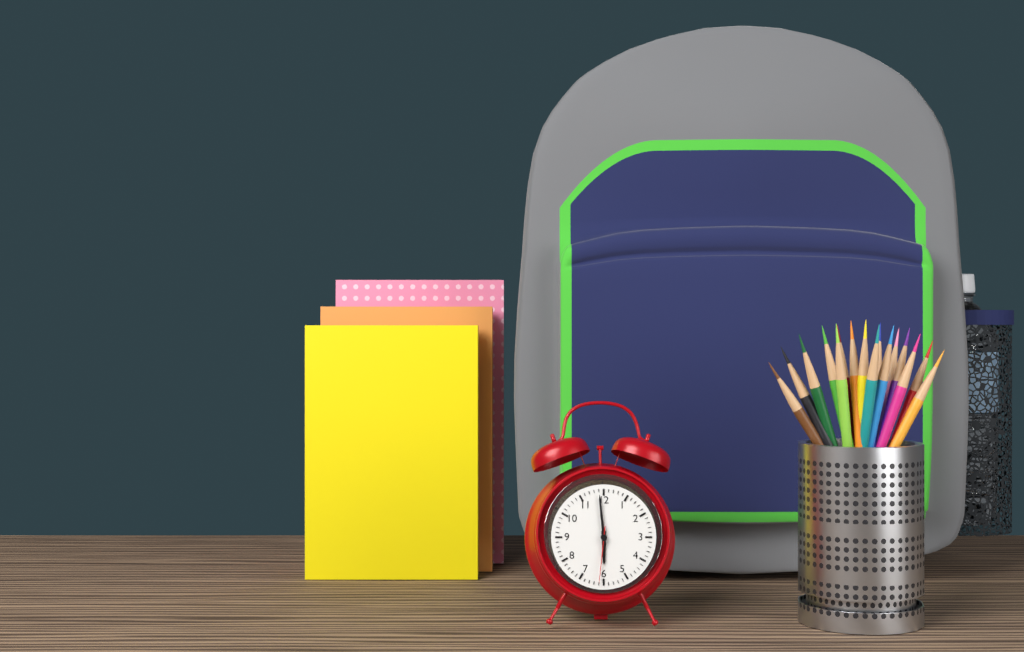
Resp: 5.59.31
